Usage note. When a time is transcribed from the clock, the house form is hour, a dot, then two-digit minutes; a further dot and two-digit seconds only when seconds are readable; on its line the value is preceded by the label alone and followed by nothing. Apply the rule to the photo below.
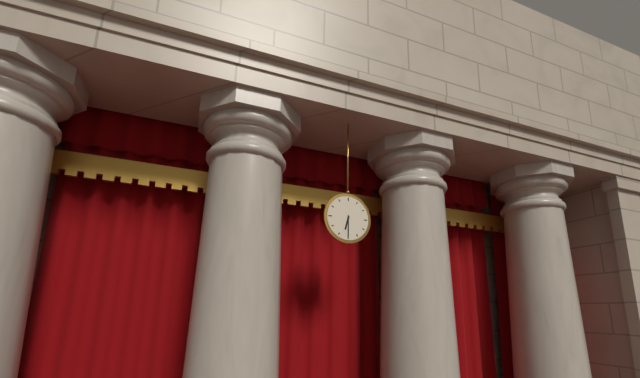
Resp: 6.30
